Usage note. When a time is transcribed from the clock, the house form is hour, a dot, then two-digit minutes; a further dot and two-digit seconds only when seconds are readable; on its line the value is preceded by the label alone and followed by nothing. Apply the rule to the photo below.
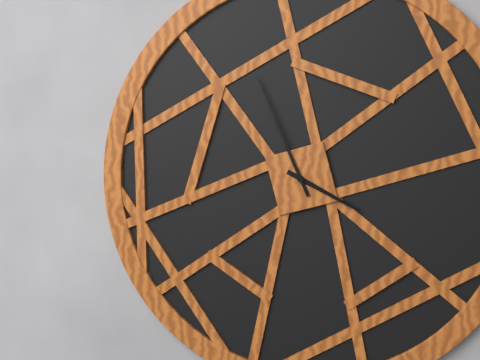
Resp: 3.56
